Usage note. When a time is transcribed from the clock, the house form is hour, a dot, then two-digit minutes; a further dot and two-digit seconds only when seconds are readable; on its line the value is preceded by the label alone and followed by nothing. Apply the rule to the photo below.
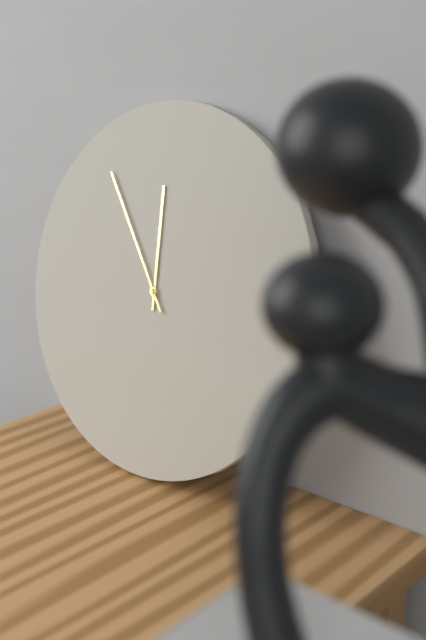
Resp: 11.54
